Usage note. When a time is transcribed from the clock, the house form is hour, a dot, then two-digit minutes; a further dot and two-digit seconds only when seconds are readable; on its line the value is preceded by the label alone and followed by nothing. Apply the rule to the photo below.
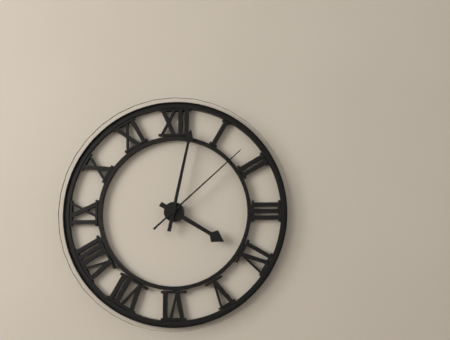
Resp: 4.02.08
